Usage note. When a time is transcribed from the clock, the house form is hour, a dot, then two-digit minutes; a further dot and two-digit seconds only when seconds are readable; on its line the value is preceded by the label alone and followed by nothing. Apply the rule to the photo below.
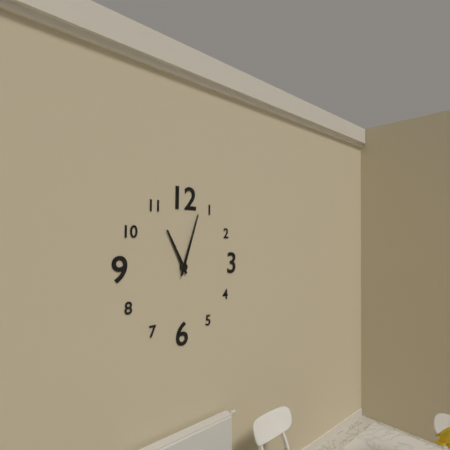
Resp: 11.03
